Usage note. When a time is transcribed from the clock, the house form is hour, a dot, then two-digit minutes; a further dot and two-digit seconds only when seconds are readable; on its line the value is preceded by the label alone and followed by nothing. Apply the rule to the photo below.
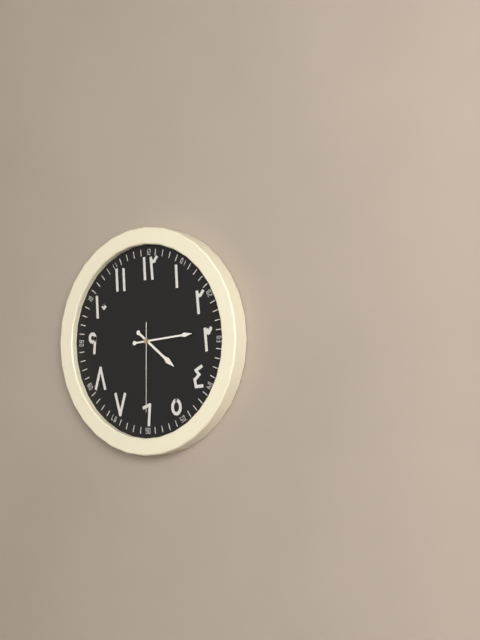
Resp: 4.14.30
